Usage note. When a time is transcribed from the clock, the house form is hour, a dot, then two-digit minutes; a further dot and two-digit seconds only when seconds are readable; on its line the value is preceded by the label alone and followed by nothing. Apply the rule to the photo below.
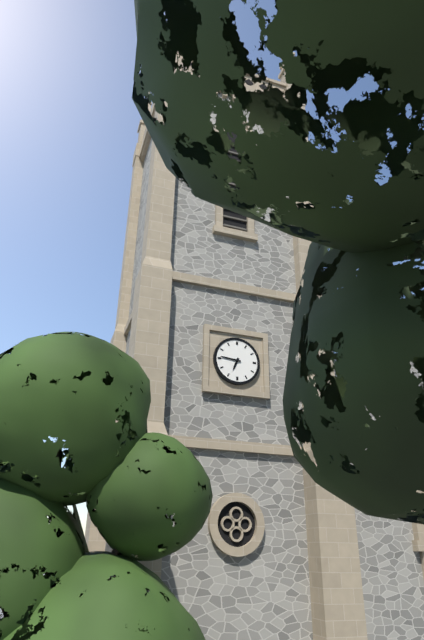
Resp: 6.46
